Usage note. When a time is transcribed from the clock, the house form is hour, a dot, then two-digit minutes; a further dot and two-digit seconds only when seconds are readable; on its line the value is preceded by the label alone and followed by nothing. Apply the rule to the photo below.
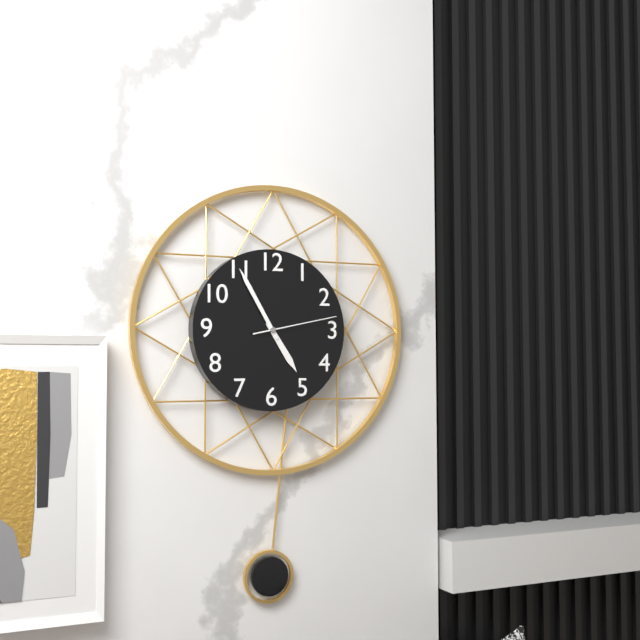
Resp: 4.55.13
